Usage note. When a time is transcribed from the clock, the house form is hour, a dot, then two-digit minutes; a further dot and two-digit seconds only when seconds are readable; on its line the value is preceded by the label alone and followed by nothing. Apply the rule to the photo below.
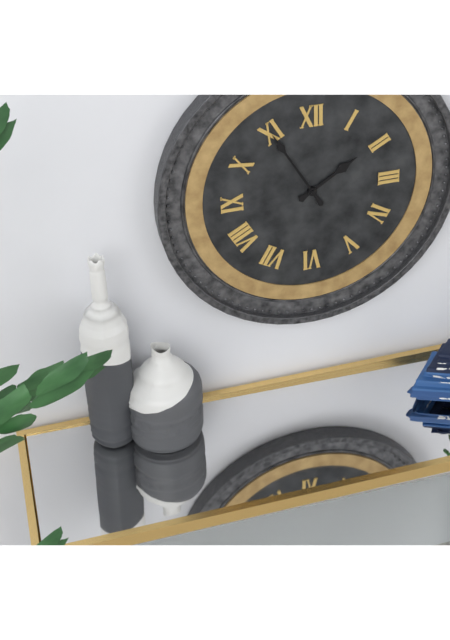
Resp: 1.55
